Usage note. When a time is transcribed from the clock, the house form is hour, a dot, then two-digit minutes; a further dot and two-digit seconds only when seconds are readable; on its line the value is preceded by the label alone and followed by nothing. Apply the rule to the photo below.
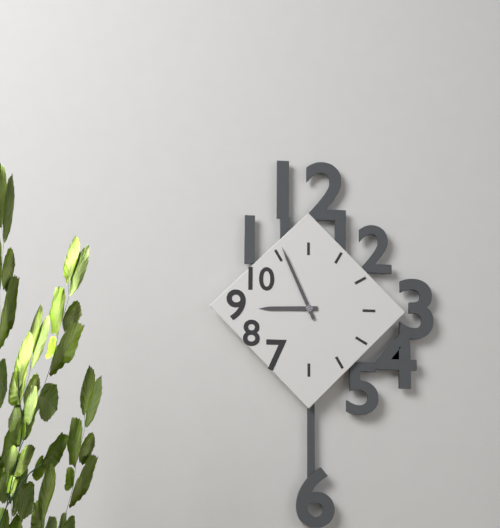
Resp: 8.56
